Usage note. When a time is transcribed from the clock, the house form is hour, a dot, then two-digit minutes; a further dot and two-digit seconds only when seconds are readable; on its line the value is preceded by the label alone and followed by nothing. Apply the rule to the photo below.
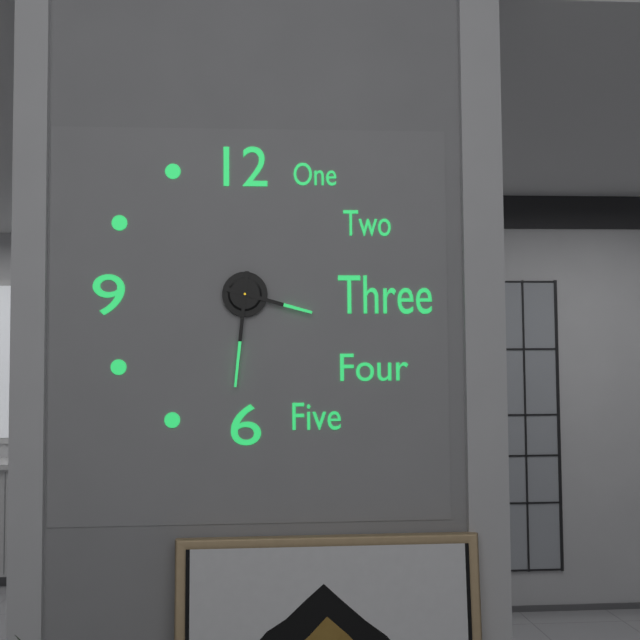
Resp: 3.31
